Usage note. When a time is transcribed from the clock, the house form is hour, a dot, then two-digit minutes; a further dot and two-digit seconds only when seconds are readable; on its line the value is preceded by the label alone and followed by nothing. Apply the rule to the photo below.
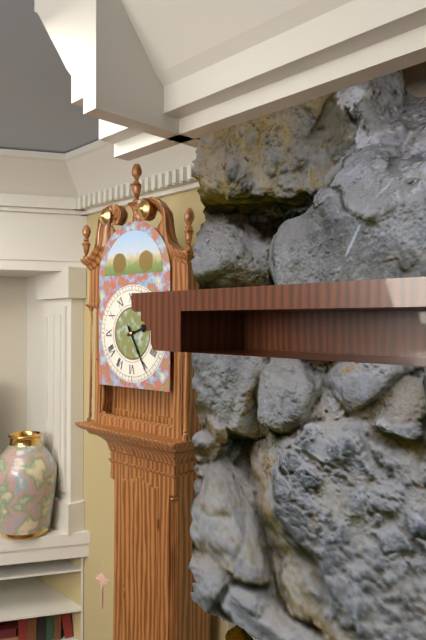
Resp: 2.25
